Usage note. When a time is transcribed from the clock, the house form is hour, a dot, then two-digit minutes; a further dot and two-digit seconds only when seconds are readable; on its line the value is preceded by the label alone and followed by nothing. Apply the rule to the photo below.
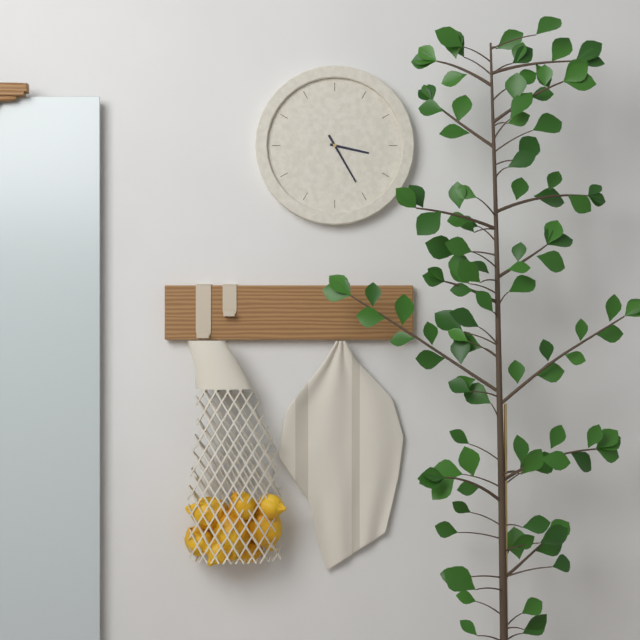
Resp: 3.25
